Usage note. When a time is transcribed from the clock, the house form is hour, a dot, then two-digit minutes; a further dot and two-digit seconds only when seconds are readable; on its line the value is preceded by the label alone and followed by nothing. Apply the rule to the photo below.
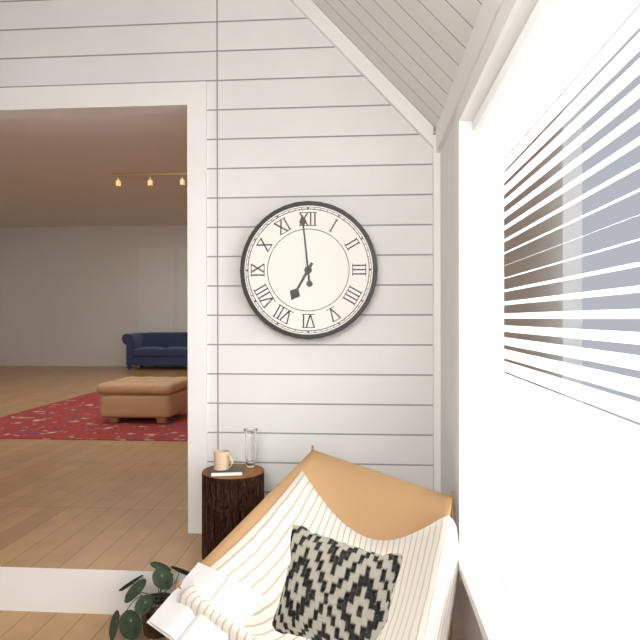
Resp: 6.59
